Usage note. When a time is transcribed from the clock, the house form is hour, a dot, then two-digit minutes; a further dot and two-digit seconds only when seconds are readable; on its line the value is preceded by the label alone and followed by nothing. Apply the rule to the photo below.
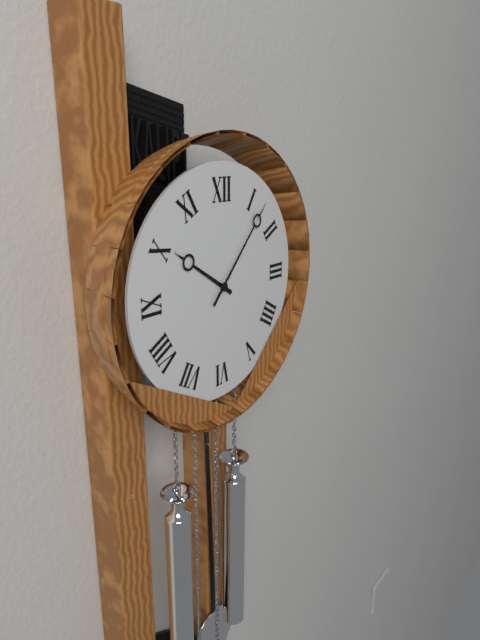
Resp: 10.07
